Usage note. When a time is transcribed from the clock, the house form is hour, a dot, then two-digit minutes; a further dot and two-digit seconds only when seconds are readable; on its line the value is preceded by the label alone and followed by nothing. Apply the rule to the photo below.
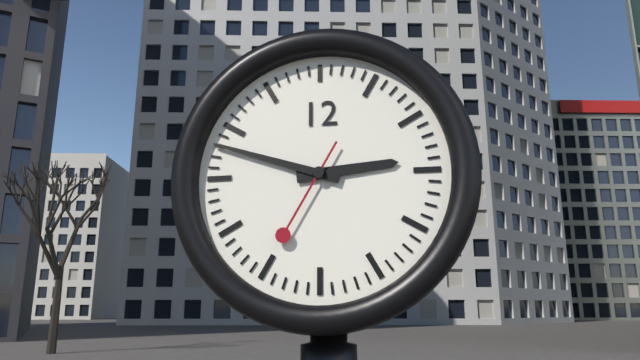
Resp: 2.48.35
